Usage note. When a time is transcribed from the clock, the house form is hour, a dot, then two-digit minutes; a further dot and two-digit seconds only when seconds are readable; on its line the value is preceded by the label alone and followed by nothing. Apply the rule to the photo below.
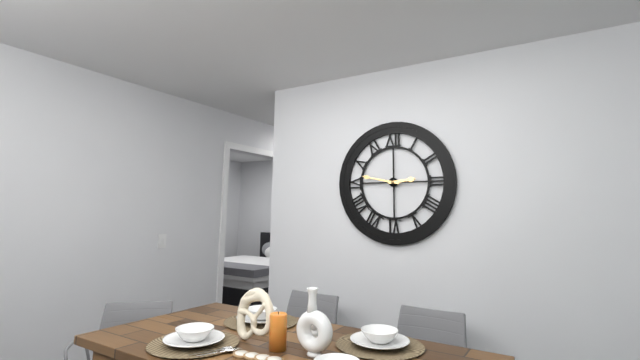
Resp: 2.47
